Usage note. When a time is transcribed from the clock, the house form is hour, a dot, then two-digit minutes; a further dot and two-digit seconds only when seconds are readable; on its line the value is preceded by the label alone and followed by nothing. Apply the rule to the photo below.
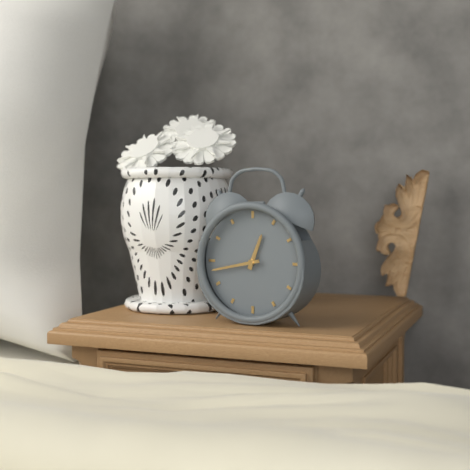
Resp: 12.43
